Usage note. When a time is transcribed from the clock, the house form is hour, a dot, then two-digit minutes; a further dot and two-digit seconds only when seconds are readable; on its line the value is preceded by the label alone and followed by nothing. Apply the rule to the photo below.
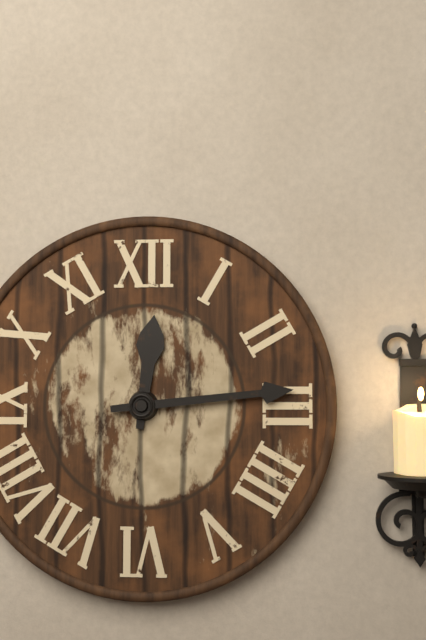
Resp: 12.14
